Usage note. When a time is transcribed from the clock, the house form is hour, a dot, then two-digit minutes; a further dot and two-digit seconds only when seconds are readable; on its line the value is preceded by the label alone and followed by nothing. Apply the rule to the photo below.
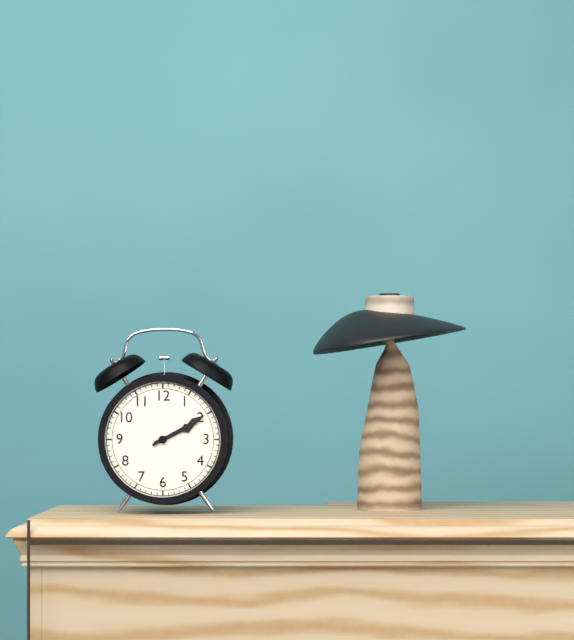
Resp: 2.10
